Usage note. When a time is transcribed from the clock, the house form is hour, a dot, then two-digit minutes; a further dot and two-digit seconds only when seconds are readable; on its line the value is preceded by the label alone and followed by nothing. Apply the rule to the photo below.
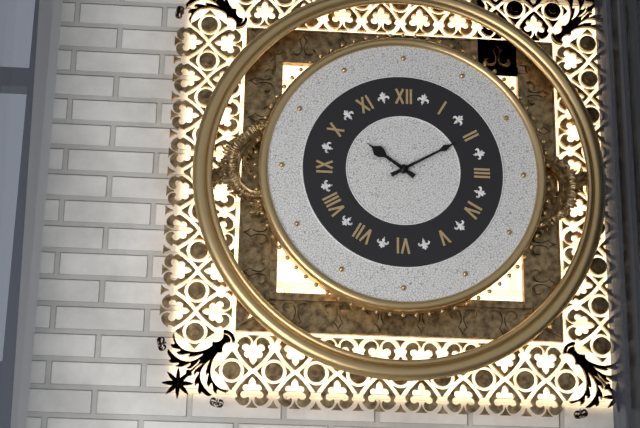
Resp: 10.10
